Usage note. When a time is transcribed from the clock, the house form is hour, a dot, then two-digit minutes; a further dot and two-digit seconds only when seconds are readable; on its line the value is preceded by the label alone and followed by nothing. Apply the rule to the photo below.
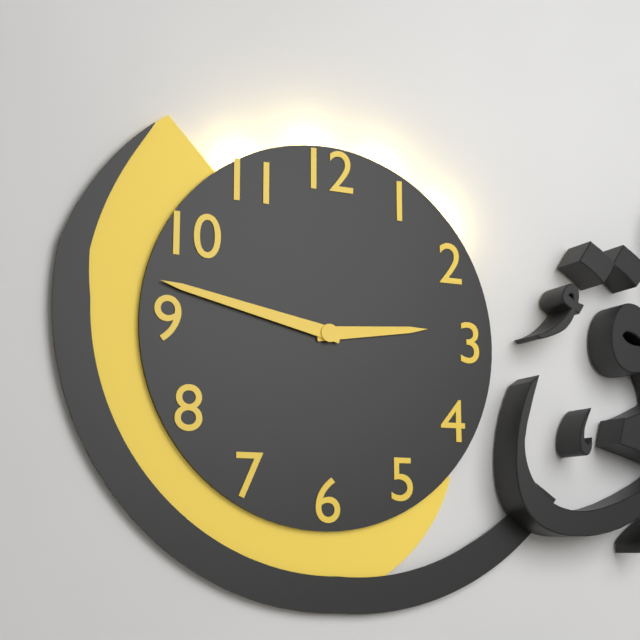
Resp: 2.47
